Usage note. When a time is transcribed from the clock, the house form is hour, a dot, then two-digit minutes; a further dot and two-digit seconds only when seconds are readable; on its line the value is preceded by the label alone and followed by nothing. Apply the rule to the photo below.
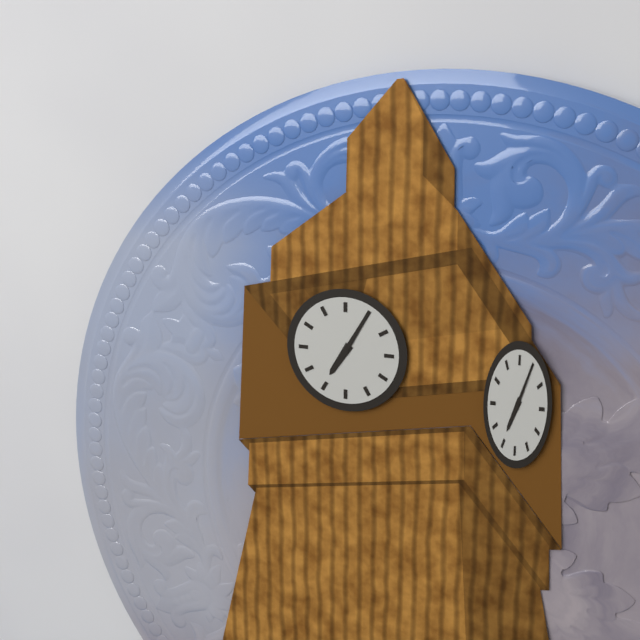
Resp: 7.05
